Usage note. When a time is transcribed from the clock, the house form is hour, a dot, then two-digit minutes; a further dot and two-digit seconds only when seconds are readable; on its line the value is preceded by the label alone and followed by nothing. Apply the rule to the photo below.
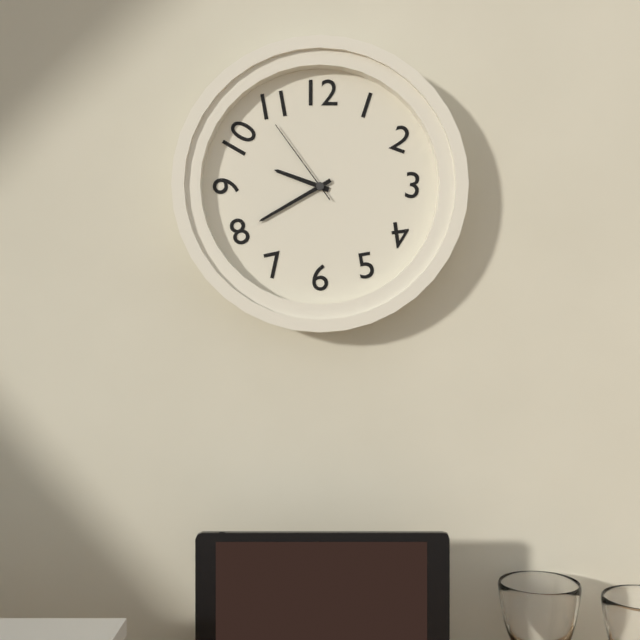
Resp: 9.40.54
